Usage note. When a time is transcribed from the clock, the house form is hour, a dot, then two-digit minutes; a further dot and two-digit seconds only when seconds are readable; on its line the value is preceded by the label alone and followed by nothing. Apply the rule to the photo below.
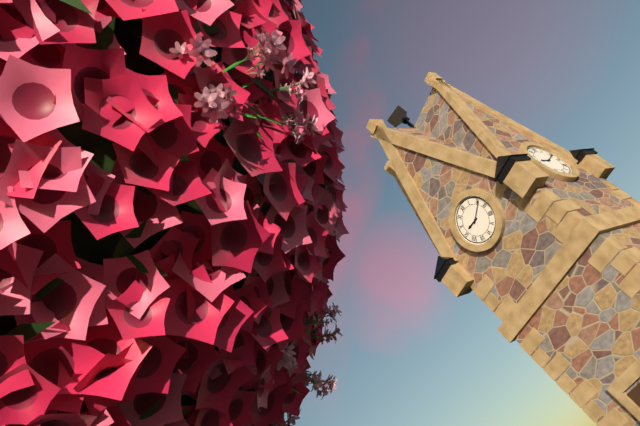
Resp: 9.11
